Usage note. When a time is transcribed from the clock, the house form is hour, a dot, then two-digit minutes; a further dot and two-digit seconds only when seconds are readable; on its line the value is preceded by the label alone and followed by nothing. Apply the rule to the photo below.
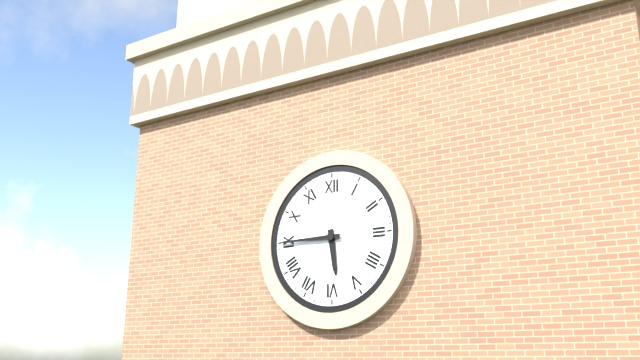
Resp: 5.45
